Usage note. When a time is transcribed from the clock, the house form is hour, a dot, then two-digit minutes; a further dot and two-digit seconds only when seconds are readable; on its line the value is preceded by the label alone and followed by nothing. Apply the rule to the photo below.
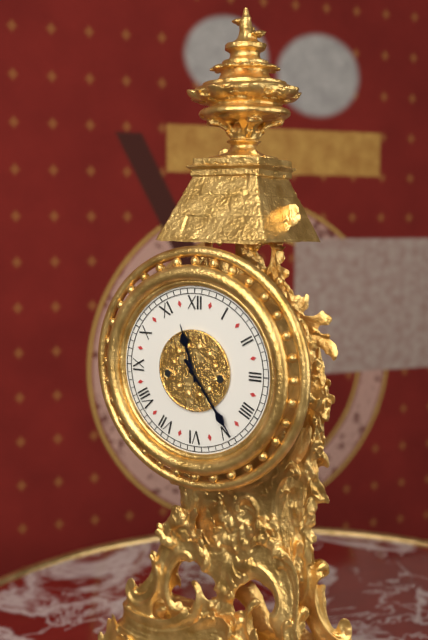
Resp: 11.24
